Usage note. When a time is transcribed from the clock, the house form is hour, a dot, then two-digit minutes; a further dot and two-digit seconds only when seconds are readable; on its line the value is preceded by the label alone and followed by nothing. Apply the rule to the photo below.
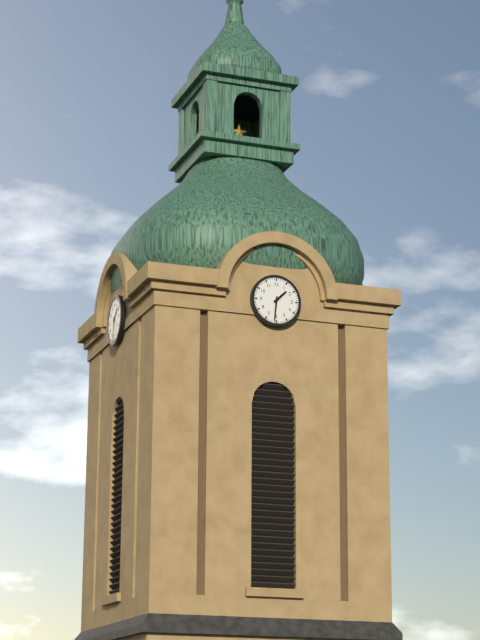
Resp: 1.31
